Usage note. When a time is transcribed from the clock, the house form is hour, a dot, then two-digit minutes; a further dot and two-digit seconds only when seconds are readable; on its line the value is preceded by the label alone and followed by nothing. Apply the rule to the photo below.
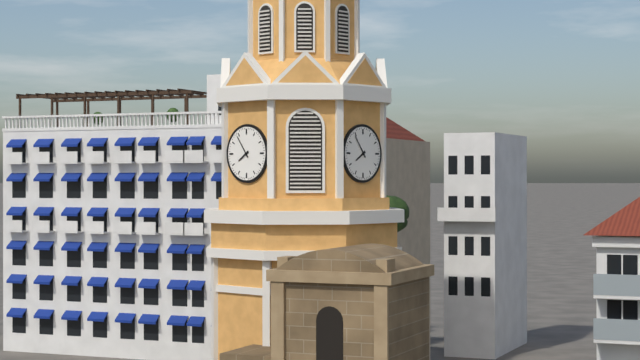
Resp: 7.54
